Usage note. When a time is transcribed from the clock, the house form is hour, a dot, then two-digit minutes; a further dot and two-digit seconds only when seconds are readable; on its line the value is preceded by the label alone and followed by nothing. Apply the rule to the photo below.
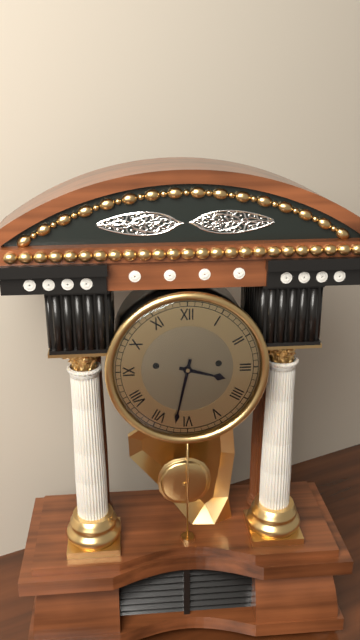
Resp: 3.32
